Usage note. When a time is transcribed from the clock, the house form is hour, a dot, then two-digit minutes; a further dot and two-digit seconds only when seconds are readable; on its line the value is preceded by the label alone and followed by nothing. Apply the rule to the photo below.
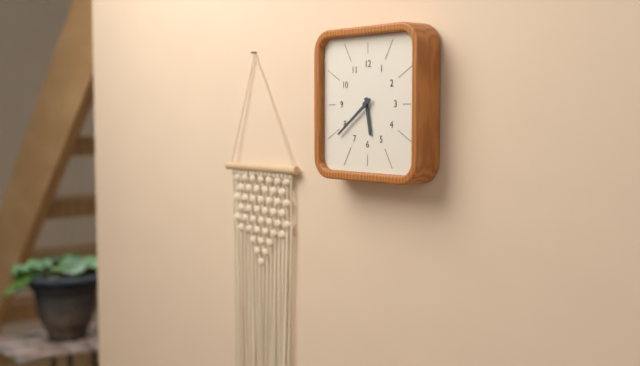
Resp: 5.39
